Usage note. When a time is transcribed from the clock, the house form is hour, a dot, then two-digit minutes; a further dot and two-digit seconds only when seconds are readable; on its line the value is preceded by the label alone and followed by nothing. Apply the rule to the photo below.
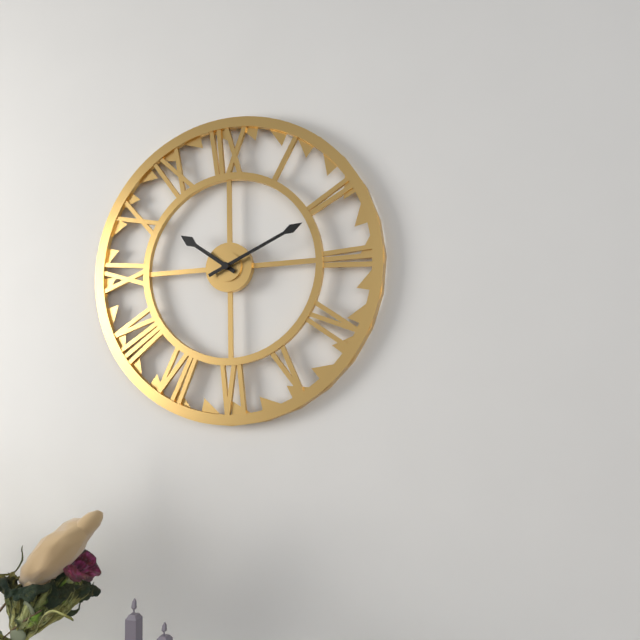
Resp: 10.11
